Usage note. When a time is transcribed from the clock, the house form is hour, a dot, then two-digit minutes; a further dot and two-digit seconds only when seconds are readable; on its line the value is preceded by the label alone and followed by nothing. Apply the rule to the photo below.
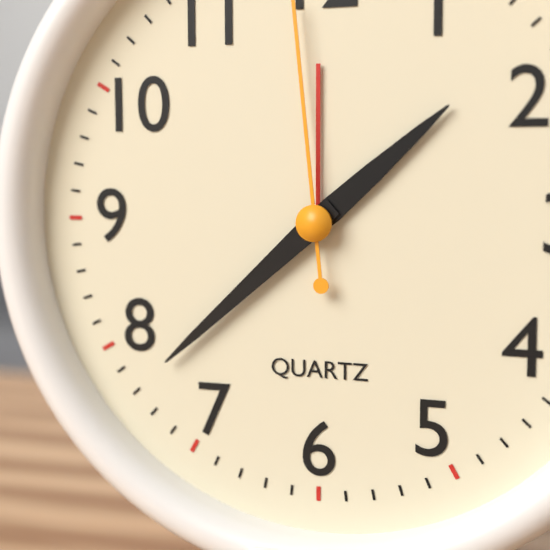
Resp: 1.38
